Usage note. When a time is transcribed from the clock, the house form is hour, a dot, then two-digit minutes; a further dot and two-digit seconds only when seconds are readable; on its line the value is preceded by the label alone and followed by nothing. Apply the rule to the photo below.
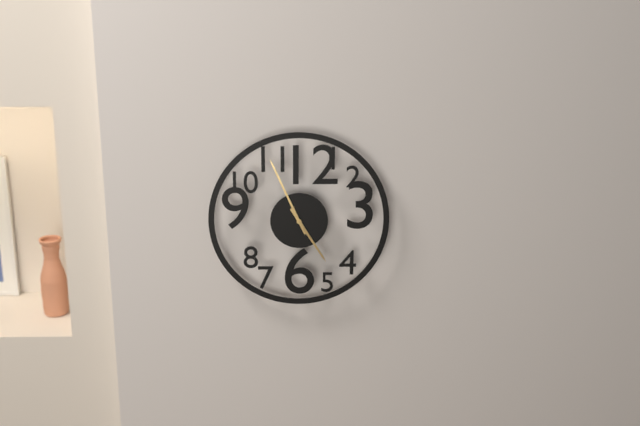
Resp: 4.56
